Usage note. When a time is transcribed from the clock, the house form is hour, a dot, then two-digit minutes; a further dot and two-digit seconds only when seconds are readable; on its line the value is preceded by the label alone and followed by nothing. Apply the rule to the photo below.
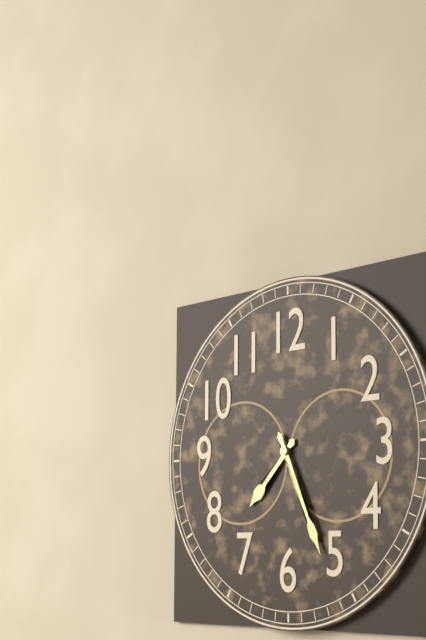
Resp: 7.26
